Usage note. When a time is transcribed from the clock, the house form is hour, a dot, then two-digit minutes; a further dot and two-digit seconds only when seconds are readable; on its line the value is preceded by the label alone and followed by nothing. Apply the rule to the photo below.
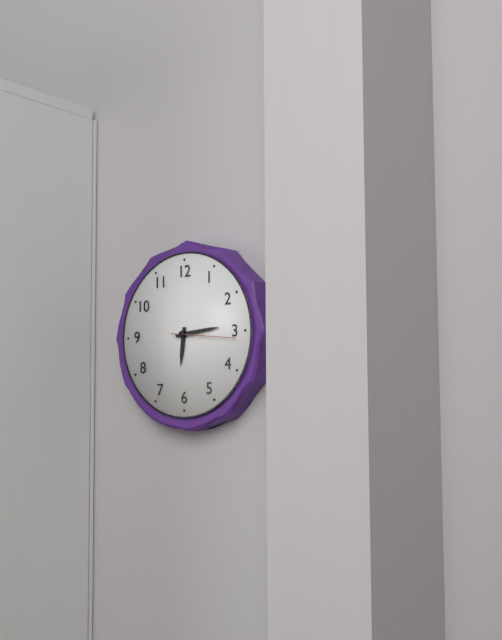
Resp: 6.14.16
